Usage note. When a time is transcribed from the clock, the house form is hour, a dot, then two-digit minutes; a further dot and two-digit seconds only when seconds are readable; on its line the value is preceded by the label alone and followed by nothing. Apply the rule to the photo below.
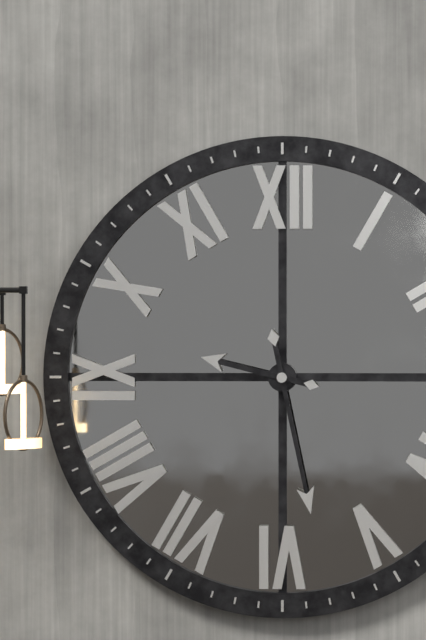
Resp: 9.28
